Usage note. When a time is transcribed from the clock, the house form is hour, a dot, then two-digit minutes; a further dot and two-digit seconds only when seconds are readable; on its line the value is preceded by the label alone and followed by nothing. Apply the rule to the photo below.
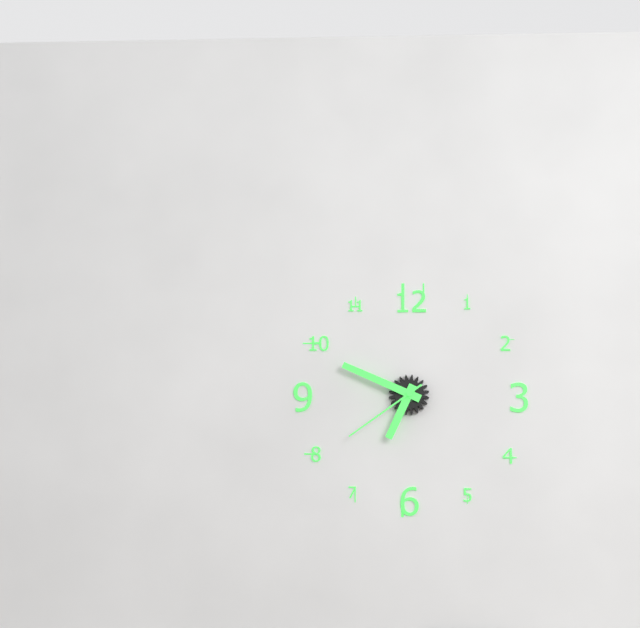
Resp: 6.49.39
